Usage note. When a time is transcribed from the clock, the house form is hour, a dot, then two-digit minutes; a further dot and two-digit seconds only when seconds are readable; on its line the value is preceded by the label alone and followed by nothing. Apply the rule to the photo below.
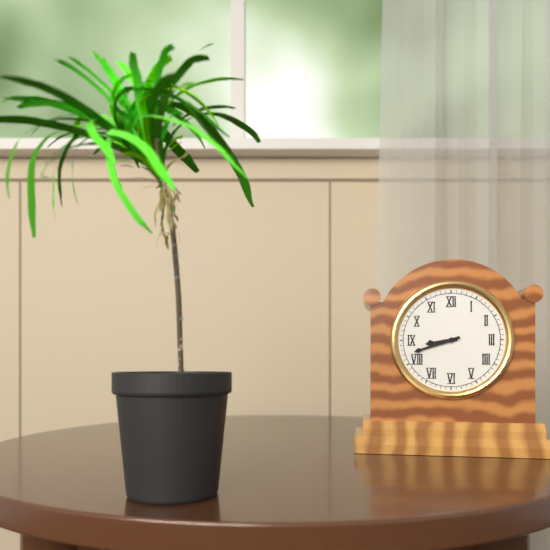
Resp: 8.42
